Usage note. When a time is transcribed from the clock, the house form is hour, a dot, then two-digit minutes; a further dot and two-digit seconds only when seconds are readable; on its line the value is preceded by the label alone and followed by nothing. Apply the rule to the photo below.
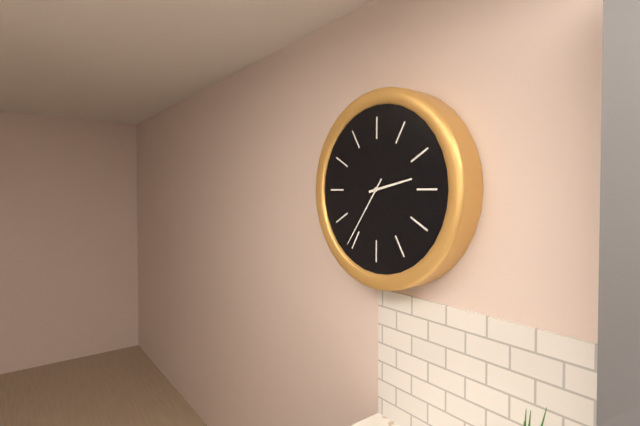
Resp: 2.36
